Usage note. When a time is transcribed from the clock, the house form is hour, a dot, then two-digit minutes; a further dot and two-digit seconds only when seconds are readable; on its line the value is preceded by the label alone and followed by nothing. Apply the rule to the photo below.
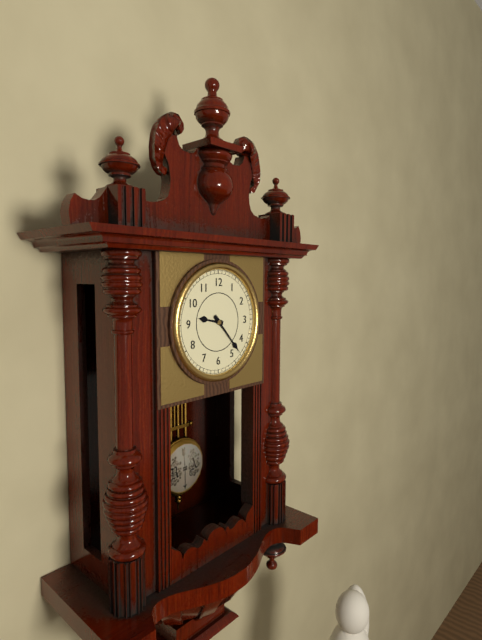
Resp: 9.23
